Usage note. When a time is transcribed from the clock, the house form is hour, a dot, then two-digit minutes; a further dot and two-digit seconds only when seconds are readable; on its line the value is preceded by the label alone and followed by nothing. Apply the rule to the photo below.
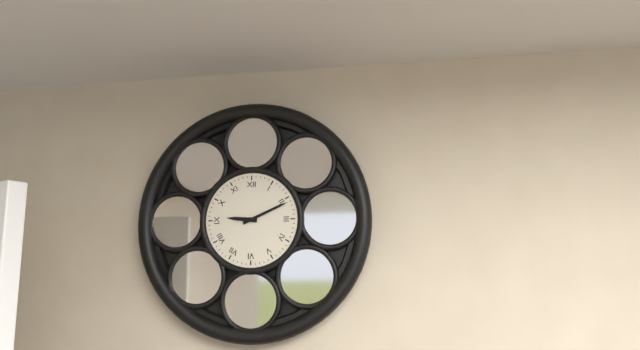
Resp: 9.11
